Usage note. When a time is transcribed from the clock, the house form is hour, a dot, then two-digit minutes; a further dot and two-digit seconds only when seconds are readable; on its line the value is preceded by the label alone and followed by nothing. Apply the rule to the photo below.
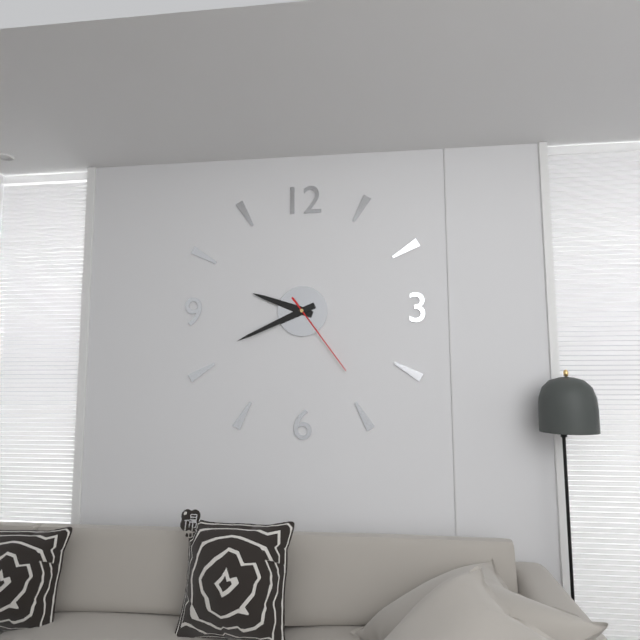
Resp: 9.41.24
